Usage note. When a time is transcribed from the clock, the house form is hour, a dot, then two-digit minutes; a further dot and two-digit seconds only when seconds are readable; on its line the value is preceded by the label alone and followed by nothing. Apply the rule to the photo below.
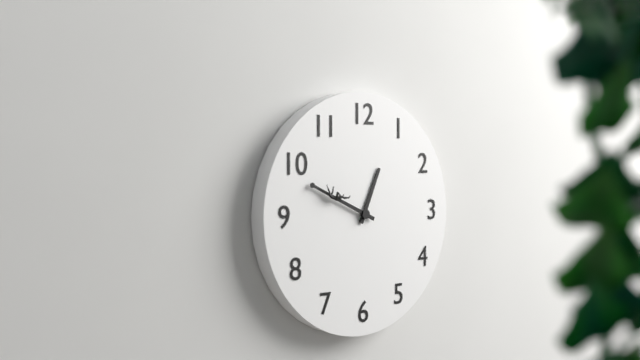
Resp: 12.49
